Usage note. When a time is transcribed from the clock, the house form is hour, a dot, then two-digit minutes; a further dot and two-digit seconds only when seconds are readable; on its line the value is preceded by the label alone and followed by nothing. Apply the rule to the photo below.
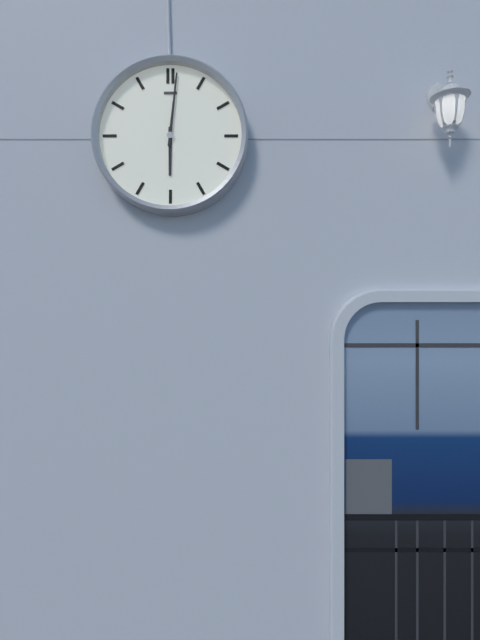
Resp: 6.01
